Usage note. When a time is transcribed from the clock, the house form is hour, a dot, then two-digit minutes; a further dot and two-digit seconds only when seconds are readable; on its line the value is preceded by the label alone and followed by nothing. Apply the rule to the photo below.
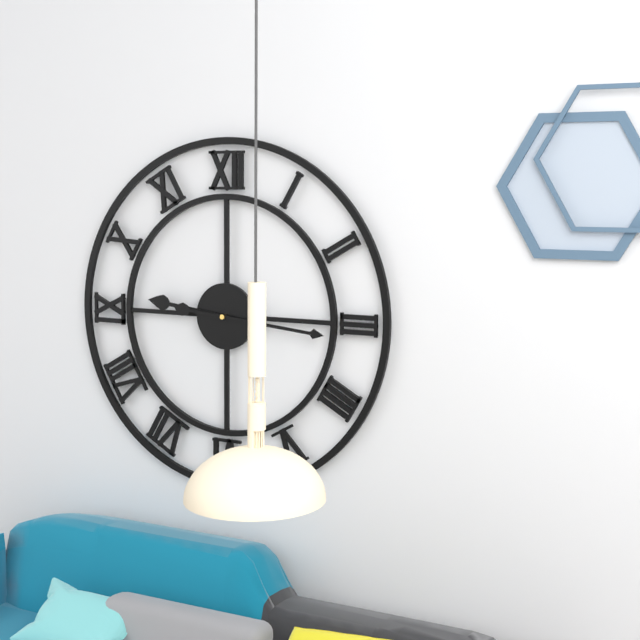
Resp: 9.16
